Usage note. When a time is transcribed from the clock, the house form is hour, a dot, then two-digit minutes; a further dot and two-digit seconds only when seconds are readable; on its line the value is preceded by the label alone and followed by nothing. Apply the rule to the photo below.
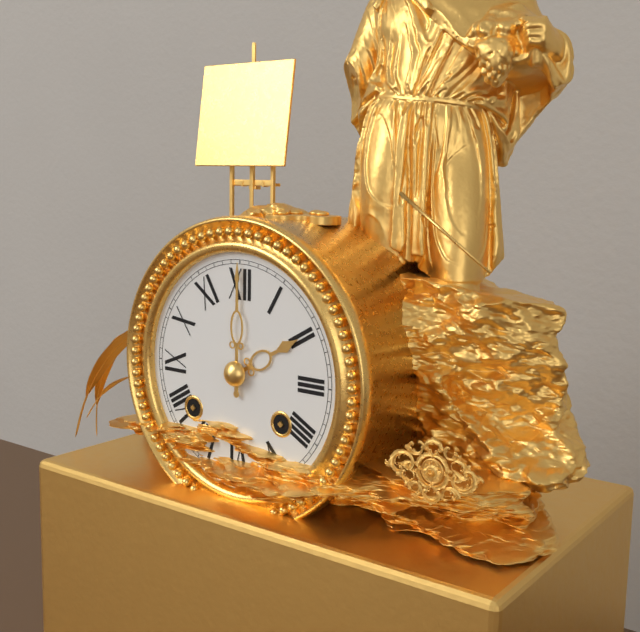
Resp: 2.00
